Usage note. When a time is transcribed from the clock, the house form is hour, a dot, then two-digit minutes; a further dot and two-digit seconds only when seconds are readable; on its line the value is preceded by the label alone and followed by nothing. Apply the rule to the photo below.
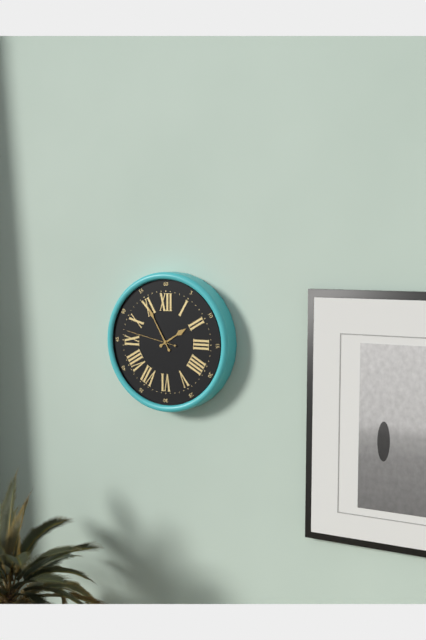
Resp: 1.55.47
